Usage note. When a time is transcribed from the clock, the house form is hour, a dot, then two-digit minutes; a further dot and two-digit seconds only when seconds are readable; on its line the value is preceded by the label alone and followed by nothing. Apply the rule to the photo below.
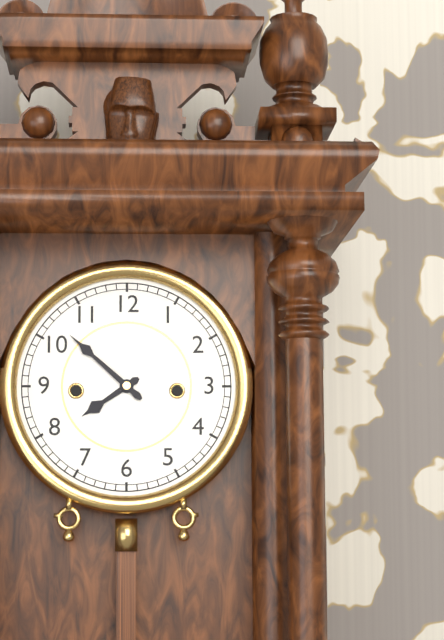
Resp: 7.52
